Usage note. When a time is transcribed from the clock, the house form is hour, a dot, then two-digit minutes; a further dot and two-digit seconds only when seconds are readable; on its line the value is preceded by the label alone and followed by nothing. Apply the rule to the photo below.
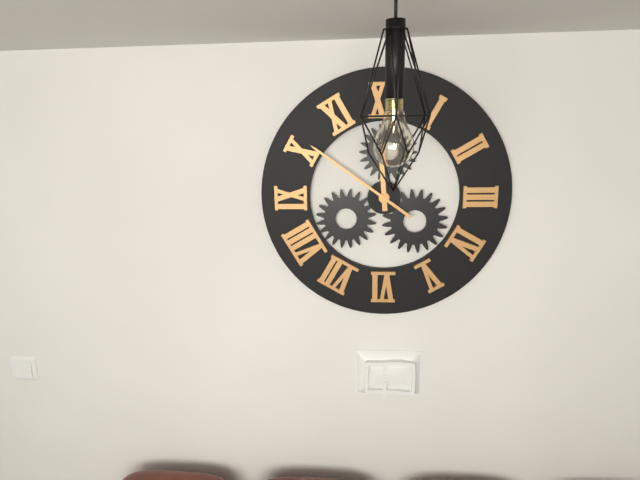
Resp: 11.51
